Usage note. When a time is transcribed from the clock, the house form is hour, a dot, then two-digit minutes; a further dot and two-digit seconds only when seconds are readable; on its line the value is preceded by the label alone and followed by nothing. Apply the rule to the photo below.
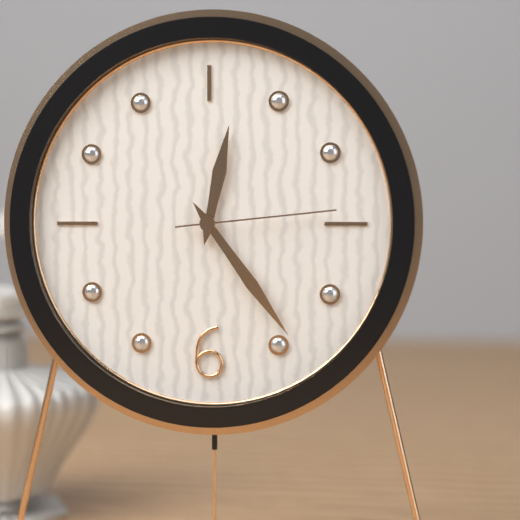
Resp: 12.24.14
